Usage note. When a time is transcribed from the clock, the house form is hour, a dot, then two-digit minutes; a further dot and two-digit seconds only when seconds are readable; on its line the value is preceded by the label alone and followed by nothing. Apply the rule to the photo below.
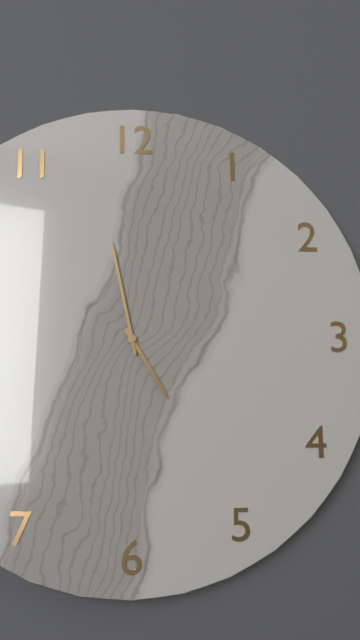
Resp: 4.58
